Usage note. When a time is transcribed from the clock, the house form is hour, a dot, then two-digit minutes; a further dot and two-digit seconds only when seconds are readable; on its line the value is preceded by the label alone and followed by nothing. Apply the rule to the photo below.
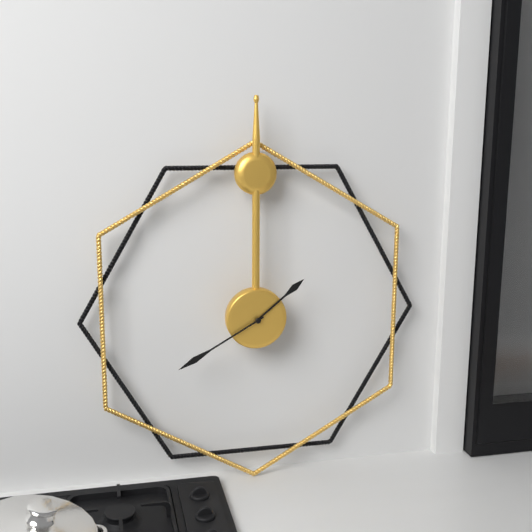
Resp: 1.40
